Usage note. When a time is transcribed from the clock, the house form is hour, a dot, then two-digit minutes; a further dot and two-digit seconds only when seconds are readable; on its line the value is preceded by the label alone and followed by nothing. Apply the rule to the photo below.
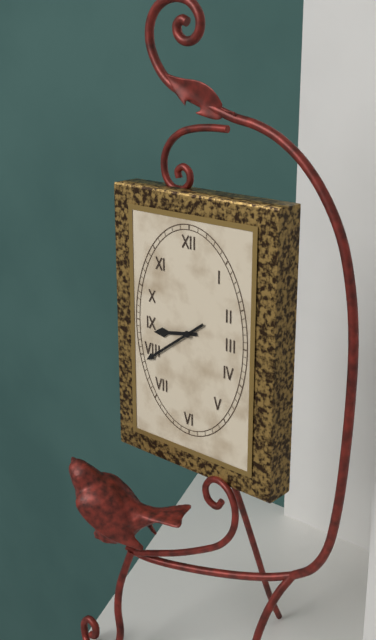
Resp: 8.39
